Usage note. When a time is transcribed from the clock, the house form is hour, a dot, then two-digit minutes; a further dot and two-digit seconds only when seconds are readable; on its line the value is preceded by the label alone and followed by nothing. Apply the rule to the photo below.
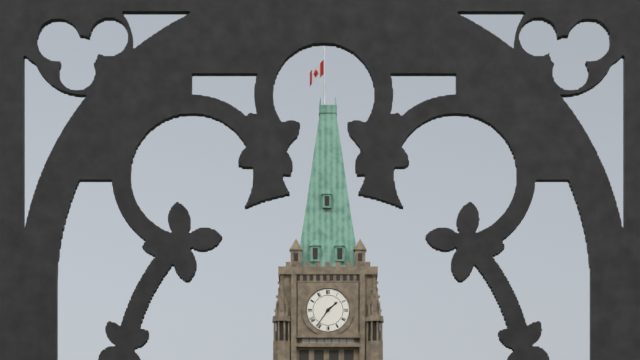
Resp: 1.36
